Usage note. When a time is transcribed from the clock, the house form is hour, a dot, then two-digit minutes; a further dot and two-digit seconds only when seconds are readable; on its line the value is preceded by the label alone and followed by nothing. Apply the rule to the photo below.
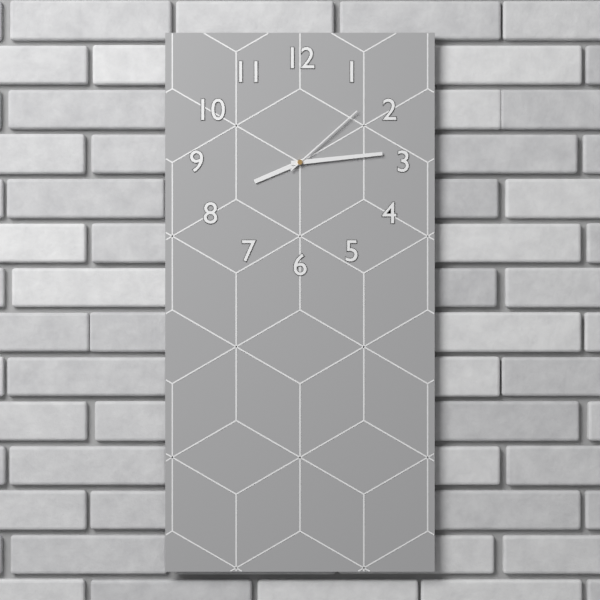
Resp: 8.14.08
